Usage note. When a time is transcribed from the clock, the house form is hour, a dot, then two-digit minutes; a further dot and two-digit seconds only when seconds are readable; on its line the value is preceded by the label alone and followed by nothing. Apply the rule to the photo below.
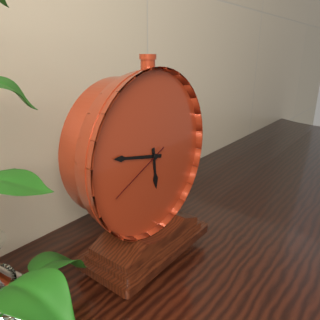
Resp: 5.47.41
